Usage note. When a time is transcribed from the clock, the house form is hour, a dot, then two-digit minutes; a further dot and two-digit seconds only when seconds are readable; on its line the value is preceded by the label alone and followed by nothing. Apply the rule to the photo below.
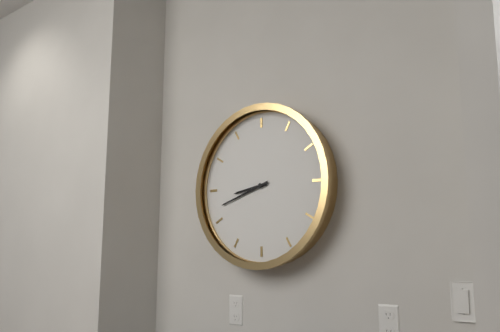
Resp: 8.42
